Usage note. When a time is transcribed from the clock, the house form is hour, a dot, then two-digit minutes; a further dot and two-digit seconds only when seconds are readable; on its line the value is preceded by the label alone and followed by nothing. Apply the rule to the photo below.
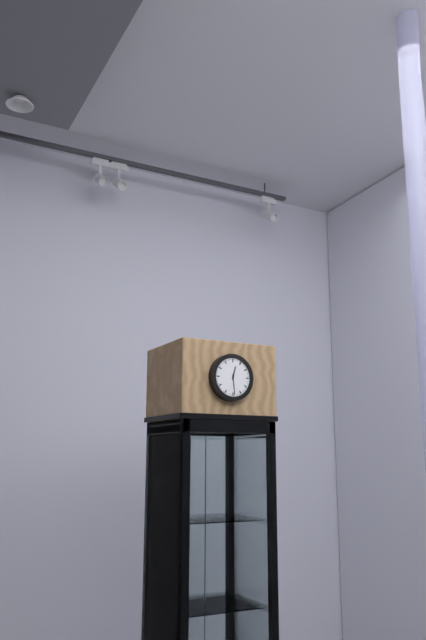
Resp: 12.29
